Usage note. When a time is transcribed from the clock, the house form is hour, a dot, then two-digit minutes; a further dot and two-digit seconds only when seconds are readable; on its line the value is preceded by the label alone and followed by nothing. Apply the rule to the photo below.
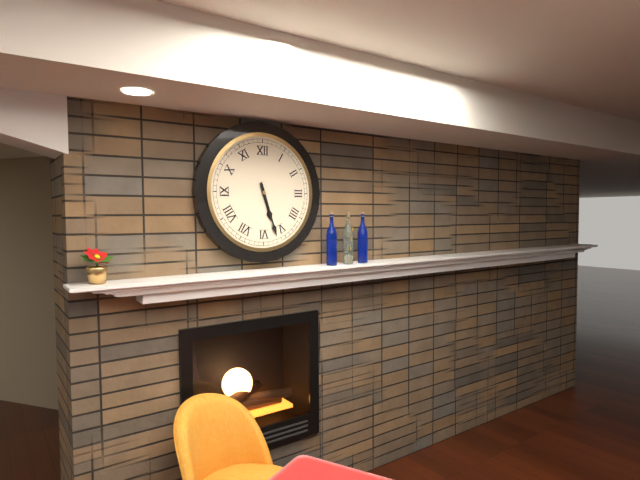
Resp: 5.27
